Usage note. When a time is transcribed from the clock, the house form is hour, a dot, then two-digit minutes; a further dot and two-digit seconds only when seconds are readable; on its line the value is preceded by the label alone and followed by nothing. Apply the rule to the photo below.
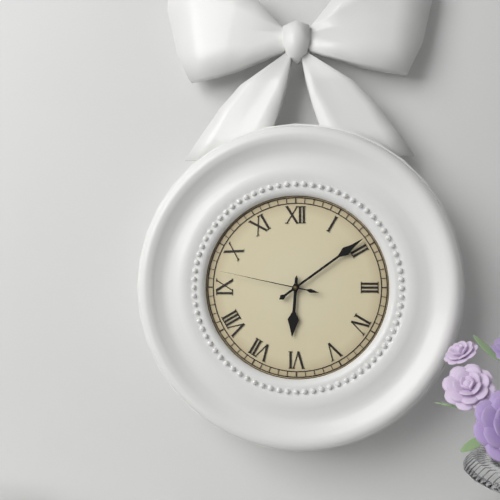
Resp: 6.09.47
